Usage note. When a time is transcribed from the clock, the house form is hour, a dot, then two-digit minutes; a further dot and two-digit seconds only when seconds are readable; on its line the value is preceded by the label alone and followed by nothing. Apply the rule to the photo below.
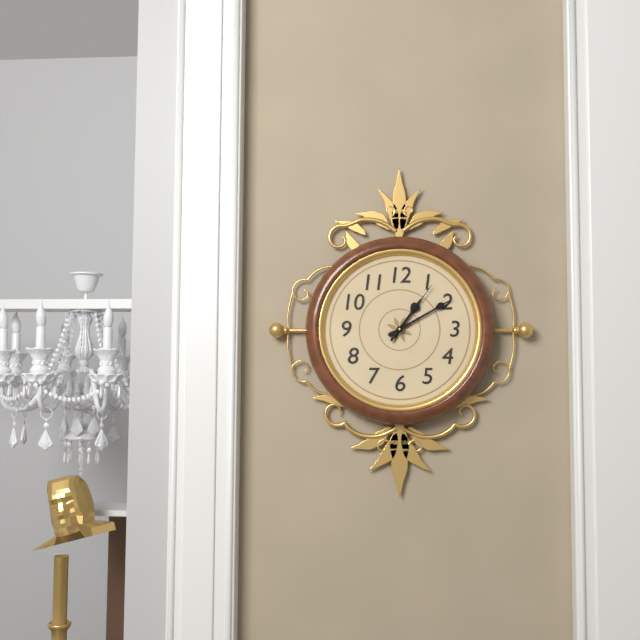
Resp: 1.10.06
